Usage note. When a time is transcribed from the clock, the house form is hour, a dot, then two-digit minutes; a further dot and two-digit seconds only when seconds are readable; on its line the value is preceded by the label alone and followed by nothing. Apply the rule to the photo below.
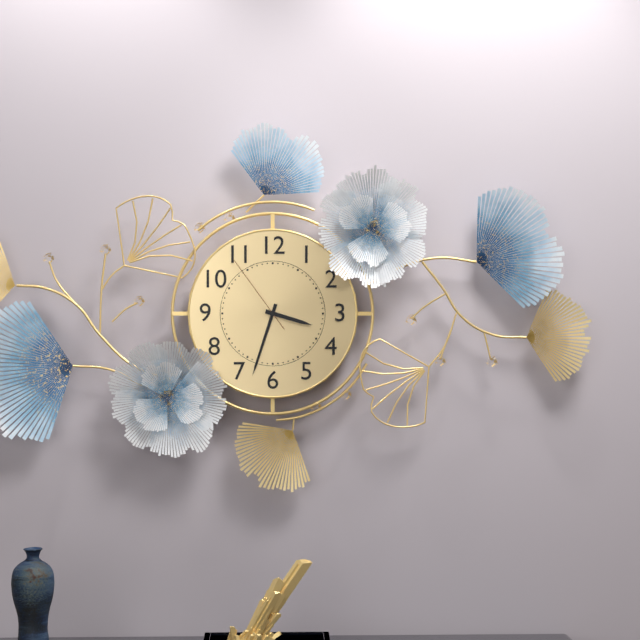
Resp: 3.33.54
